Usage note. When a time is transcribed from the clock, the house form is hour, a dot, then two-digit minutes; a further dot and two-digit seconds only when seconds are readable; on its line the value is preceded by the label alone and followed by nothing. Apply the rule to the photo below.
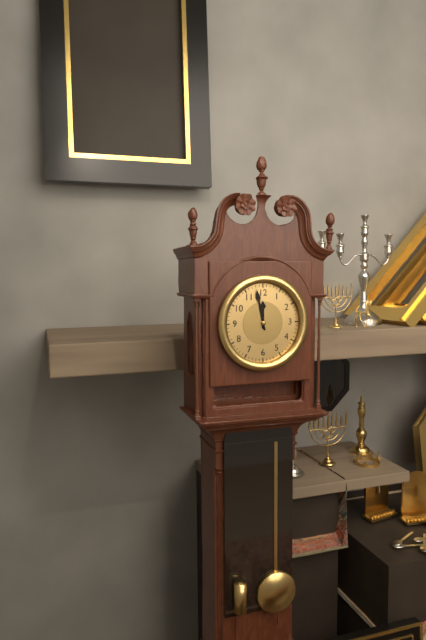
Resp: 11.58
